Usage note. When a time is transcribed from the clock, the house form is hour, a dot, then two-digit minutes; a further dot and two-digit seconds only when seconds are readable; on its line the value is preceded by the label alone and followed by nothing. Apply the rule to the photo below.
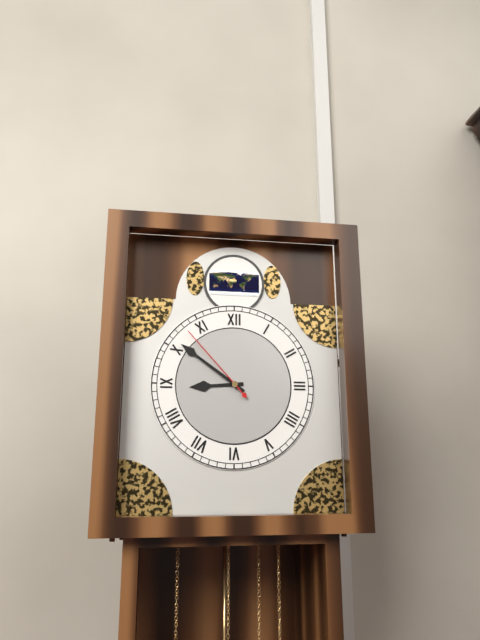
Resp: 8.51.53
